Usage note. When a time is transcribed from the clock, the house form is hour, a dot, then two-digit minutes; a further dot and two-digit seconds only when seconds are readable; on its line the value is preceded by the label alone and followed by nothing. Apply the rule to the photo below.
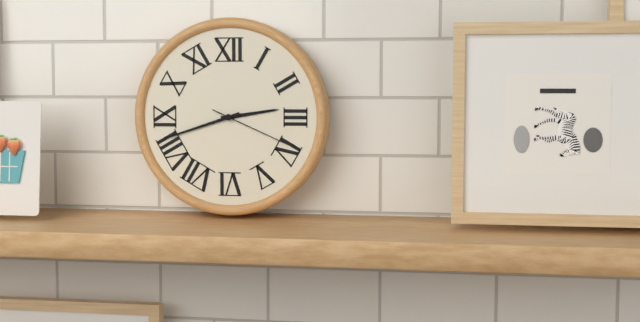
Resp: 2.42.19
